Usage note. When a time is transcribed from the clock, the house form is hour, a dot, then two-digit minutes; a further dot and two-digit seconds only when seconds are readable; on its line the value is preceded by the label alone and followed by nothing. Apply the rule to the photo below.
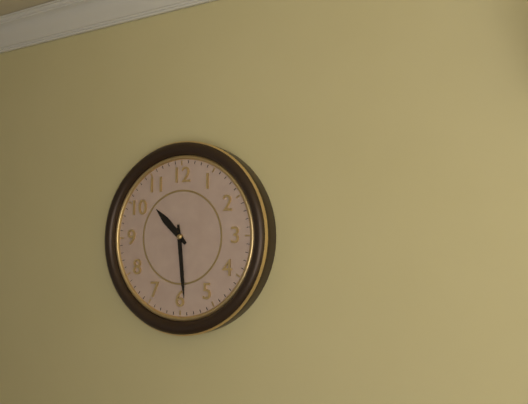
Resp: 10.29
